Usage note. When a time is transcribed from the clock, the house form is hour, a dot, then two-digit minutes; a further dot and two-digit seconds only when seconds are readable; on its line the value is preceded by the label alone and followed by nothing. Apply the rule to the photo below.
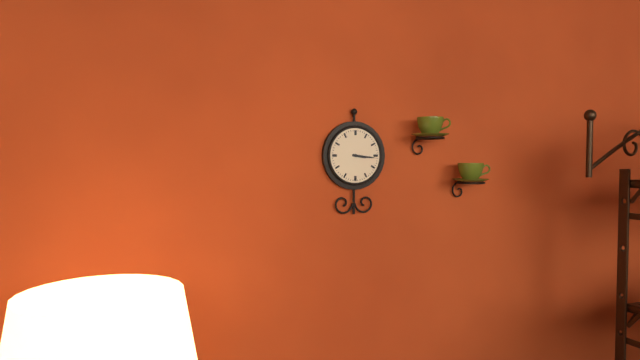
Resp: 3.16
